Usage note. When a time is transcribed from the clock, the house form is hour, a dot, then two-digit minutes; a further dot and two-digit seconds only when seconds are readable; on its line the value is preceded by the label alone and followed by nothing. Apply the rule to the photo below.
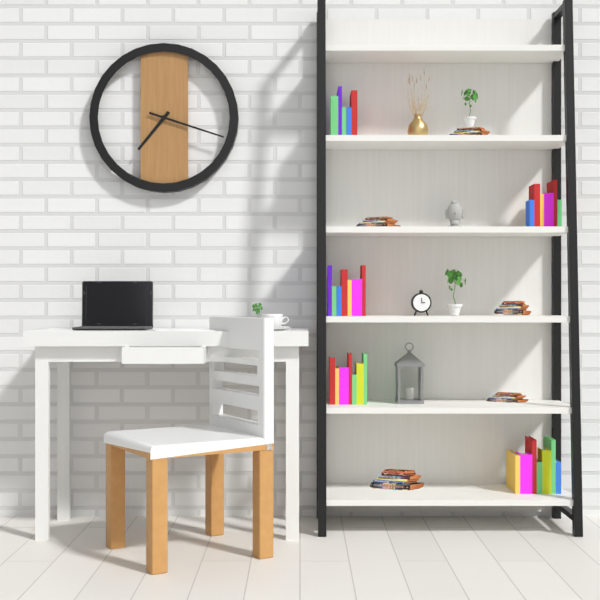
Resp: 7.18
